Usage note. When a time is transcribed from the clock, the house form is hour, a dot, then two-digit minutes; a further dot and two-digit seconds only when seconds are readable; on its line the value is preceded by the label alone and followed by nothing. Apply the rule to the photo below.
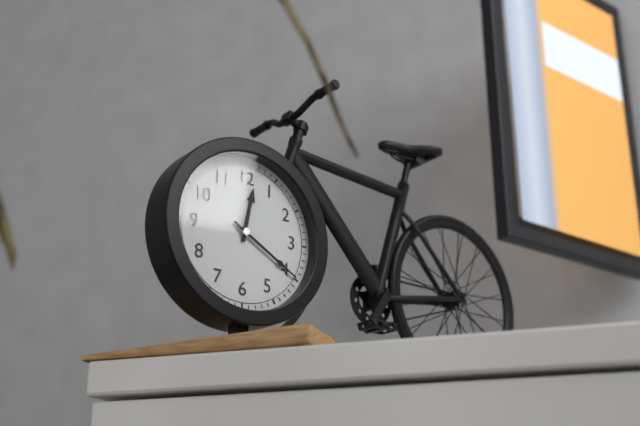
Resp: 12.20
